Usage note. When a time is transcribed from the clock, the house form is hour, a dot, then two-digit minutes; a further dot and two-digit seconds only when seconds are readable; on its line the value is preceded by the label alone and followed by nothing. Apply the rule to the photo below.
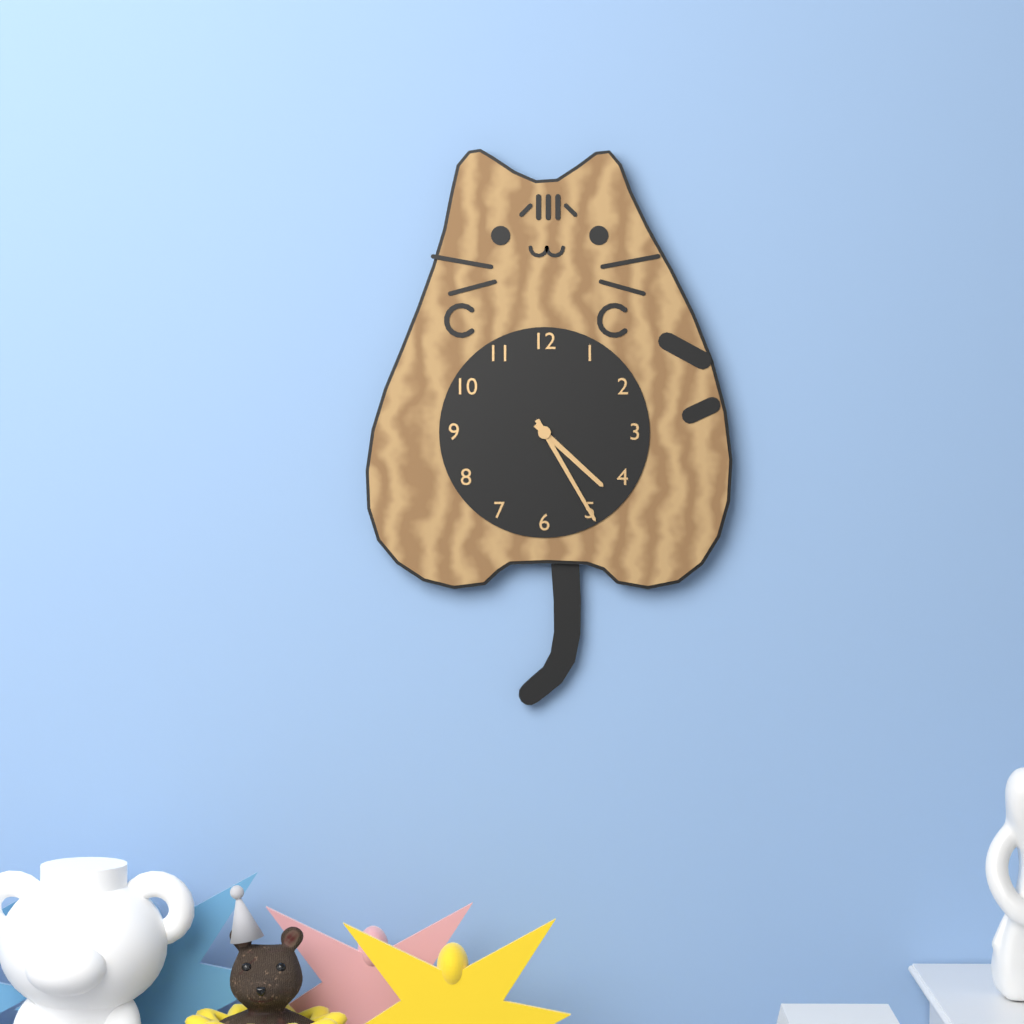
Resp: 4.25
